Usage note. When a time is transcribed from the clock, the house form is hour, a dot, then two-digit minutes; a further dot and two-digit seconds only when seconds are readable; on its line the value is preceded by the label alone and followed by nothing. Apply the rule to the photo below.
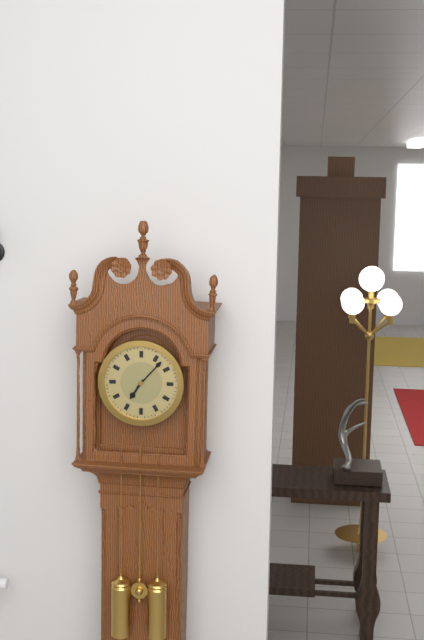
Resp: 7.07
